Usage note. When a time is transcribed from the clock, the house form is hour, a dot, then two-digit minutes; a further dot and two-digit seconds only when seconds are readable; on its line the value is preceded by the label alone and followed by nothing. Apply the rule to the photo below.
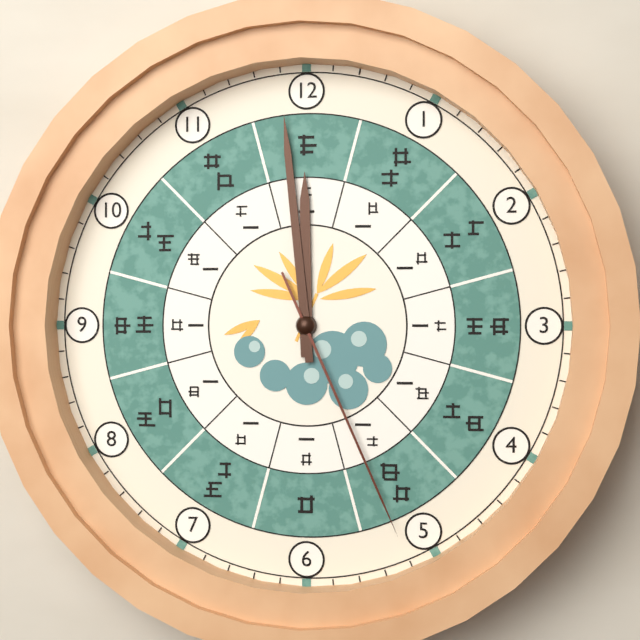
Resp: 11.59.26
